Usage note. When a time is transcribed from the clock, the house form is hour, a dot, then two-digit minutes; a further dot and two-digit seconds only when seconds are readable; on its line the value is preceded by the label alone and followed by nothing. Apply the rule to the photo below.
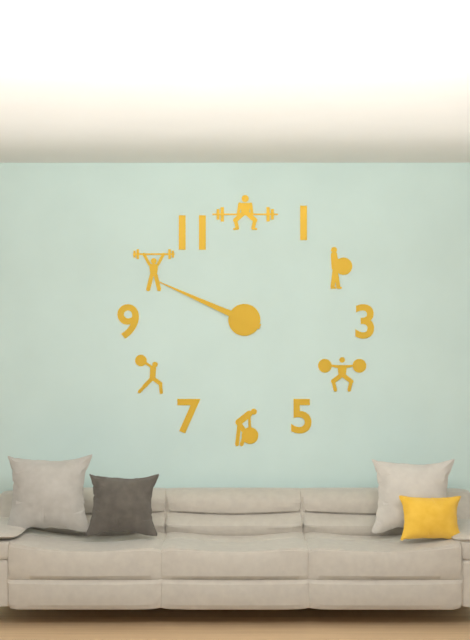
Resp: 9.49
